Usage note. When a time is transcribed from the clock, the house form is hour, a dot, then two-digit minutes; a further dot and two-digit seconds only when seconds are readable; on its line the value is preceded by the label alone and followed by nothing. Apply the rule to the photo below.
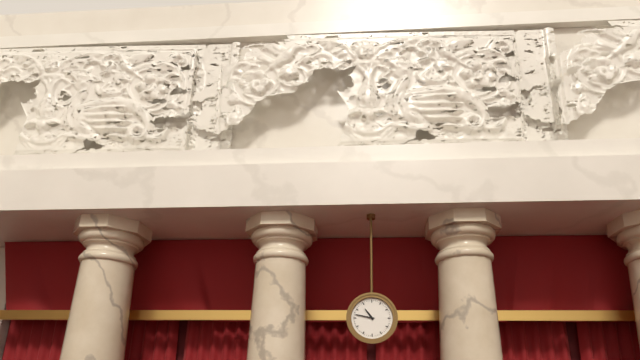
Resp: 10.47
